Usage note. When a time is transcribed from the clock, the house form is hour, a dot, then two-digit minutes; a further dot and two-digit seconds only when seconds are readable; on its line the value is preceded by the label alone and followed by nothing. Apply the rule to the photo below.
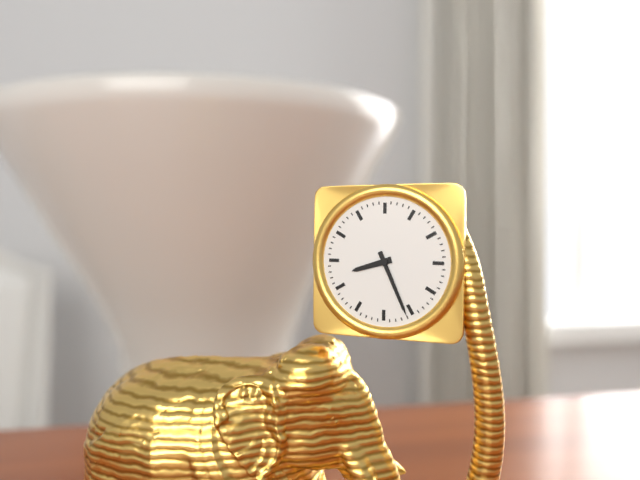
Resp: 8.26
